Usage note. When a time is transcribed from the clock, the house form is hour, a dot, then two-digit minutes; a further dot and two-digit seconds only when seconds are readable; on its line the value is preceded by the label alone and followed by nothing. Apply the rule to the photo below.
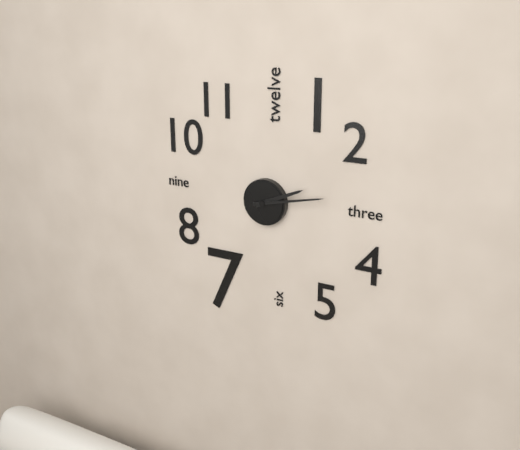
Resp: 2.13
